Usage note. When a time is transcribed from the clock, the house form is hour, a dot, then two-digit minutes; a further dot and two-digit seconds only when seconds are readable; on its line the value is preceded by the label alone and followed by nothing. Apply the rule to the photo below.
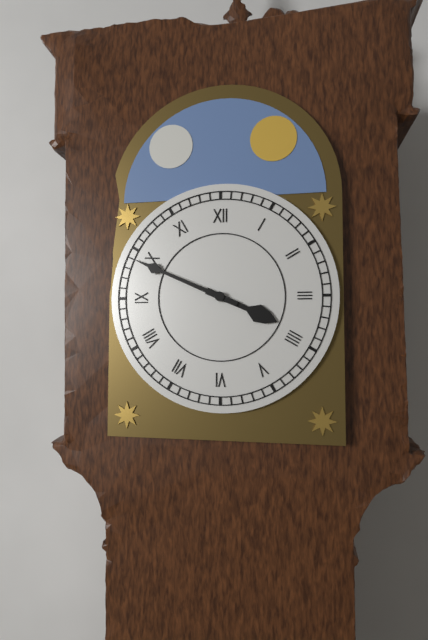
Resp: 3.49
